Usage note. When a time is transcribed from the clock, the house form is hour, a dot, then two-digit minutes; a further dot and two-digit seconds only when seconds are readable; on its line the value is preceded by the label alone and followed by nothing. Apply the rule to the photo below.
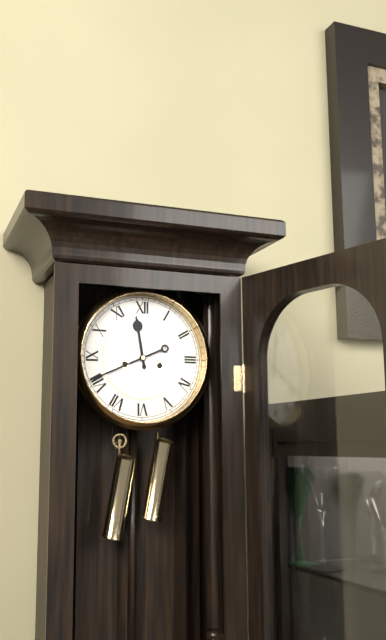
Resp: 11.41
